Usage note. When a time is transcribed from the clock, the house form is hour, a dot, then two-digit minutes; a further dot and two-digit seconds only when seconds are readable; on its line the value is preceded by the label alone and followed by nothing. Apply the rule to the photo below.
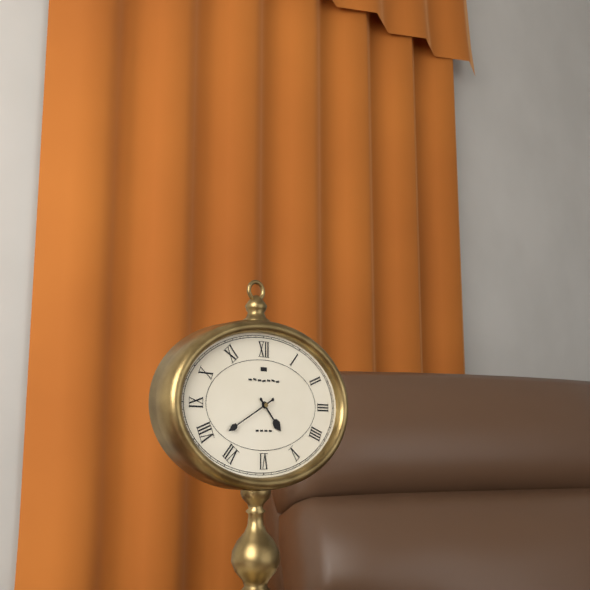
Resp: 4.40
